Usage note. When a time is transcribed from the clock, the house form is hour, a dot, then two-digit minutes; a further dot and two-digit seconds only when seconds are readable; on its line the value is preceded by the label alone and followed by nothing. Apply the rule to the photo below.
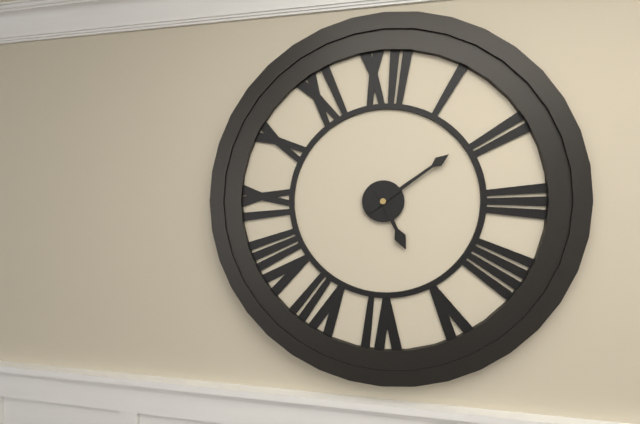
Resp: 5.09
